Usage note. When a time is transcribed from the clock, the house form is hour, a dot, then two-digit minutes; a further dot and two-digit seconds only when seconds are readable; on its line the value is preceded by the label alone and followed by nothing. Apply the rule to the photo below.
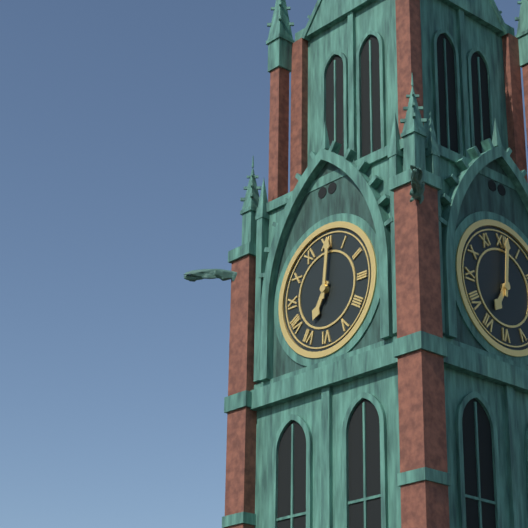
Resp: 7.01
